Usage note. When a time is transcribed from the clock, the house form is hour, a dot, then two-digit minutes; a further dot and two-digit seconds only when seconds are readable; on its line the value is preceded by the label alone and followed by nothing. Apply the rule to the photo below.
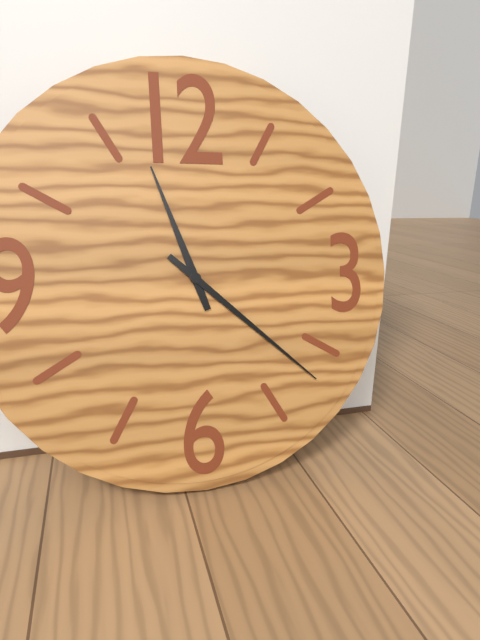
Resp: 11.22
